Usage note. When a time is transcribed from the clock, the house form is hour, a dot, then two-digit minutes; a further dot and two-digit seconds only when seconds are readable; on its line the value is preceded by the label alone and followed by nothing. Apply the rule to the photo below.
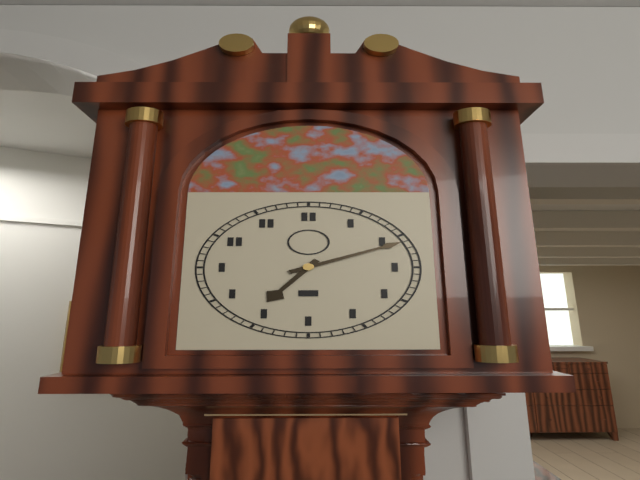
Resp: 7.11
